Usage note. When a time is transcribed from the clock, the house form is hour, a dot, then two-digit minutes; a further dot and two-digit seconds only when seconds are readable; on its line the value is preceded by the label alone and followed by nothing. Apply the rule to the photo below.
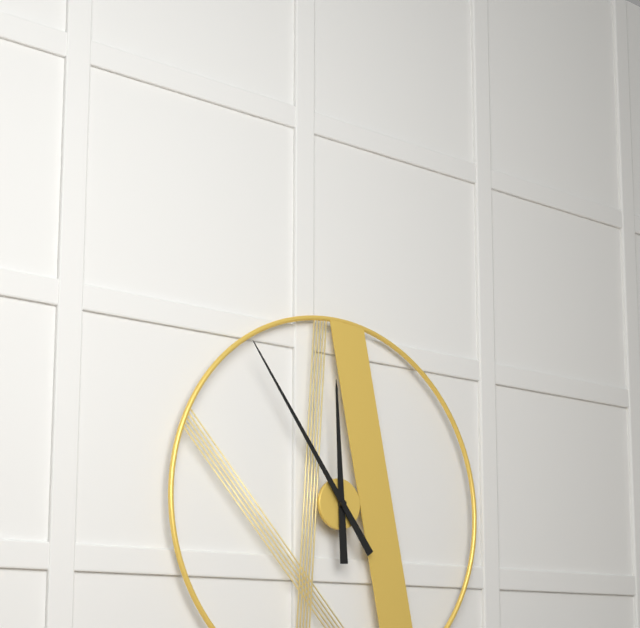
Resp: 11.54
